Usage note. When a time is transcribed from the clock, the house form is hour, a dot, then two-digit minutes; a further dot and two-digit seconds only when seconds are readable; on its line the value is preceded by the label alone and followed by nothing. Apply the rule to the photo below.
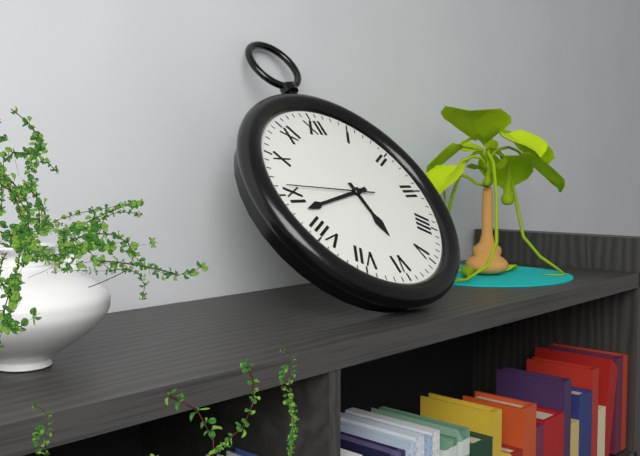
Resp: 5.43.46
